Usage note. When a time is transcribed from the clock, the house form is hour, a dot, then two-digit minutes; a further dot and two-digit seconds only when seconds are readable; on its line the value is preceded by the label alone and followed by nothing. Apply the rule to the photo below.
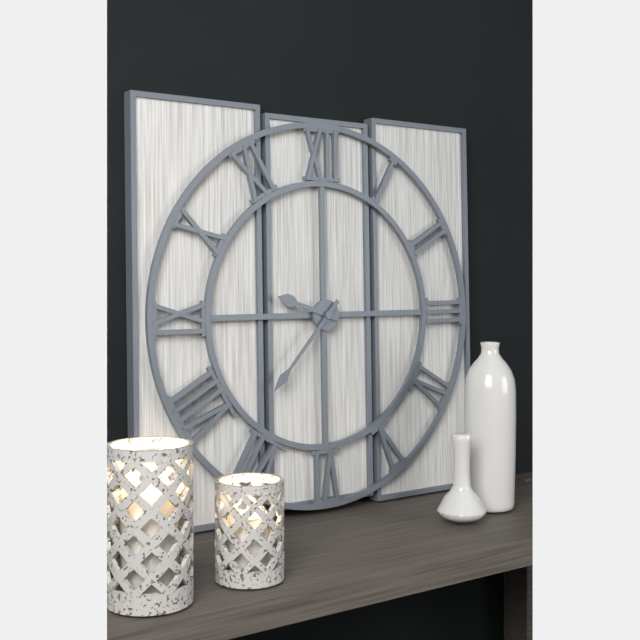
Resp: 9.37
